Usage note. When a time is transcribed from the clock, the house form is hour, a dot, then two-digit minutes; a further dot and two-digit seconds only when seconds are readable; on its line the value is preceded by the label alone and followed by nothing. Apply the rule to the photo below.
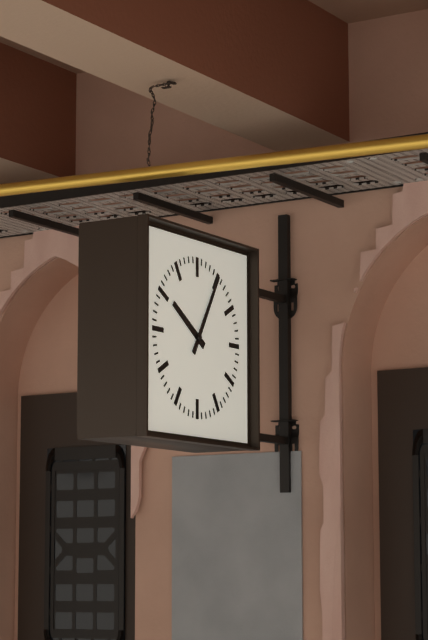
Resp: 10.05
